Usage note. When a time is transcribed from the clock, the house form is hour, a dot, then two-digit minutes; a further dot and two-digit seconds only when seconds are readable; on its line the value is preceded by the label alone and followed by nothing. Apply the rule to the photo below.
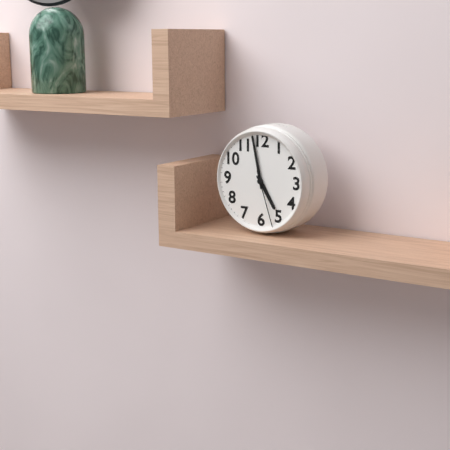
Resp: 4.58.27
